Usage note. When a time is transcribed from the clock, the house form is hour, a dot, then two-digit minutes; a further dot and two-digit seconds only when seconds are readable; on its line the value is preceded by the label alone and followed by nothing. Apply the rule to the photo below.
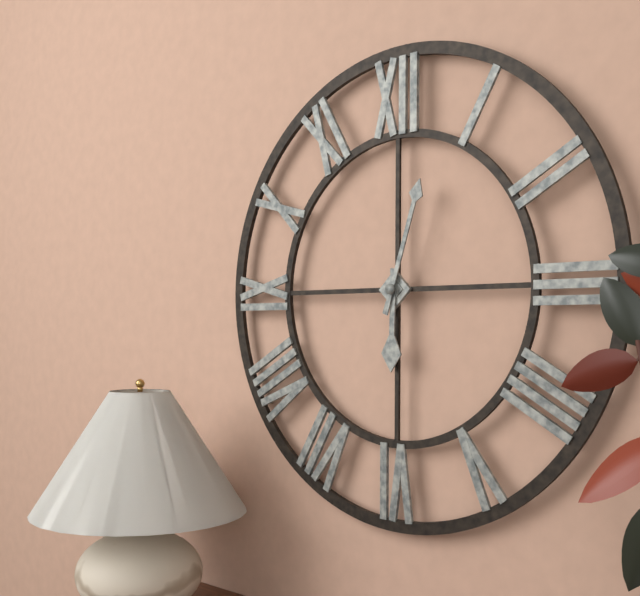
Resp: 6.03
